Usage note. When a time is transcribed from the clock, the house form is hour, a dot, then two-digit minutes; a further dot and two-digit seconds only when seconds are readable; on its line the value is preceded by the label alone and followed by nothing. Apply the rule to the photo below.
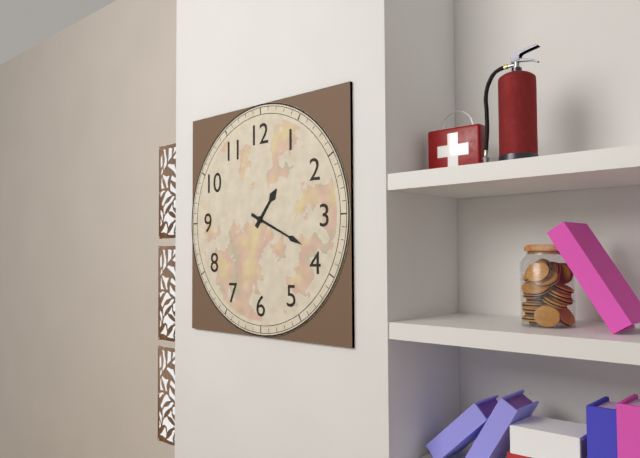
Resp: 1.19
